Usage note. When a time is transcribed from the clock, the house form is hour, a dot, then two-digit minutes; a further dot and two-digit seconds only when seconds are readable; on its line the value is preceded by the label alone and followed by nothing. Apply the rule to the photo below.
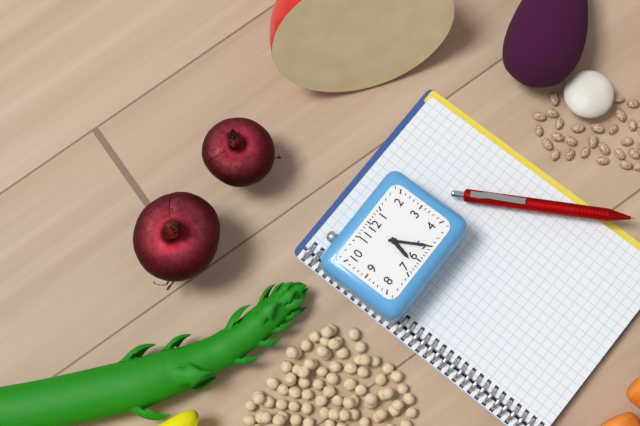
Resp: 6.25
